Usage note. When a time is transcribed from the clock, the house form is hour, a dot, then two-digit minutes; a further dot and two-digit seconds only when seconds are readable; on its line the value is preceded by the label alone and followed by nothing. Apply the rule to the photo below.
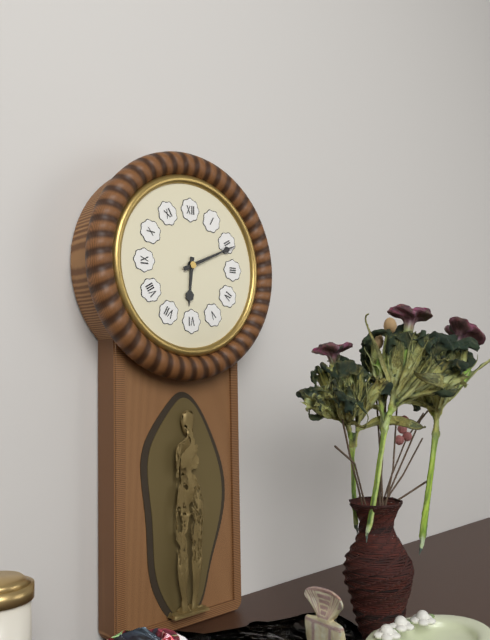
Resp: 6.11
